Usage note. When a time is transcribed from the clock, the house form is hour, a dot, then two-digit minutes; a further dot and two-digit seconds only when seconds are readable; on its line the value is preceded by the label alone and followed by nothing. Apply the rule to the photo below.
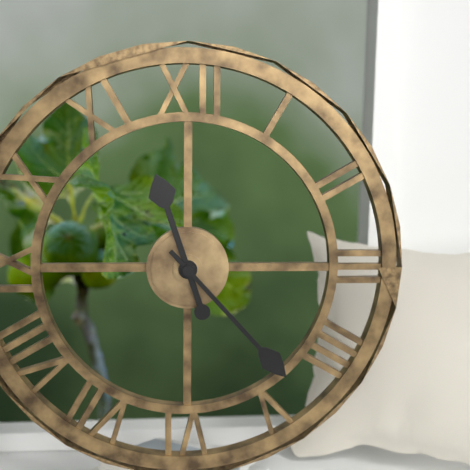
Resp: 11.23
